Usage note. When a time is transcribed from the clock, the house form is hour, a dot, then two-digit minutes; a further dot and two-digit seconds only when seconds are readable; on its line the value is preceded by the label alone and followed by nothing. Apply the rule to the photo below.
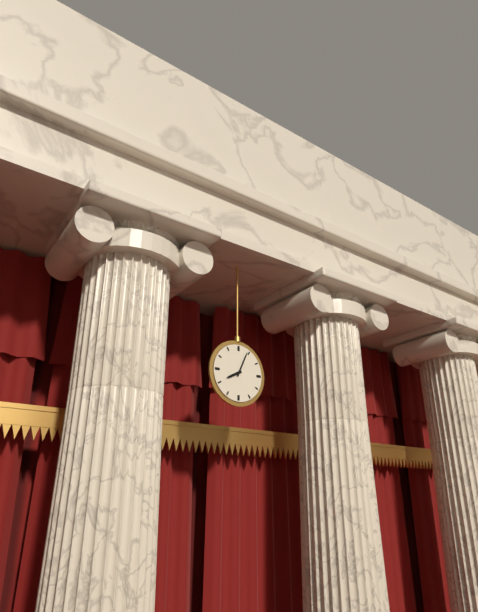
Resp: 8.04
